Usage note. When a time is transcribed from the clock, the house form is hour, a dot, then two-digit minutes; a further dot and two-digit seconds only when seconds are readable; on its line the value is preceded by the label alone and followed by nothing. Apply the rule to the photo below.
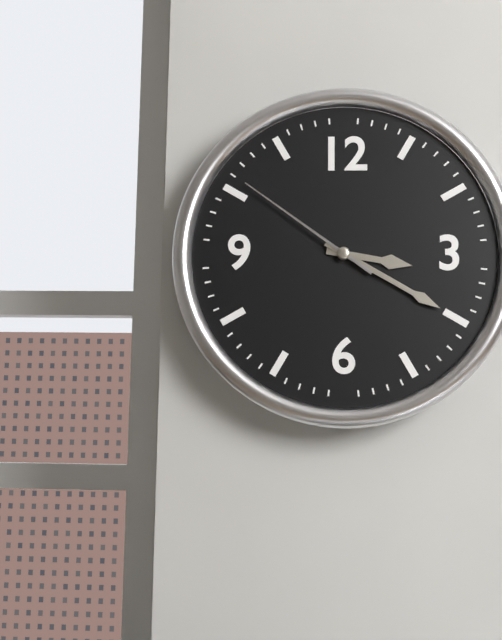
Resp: 3.20.51
